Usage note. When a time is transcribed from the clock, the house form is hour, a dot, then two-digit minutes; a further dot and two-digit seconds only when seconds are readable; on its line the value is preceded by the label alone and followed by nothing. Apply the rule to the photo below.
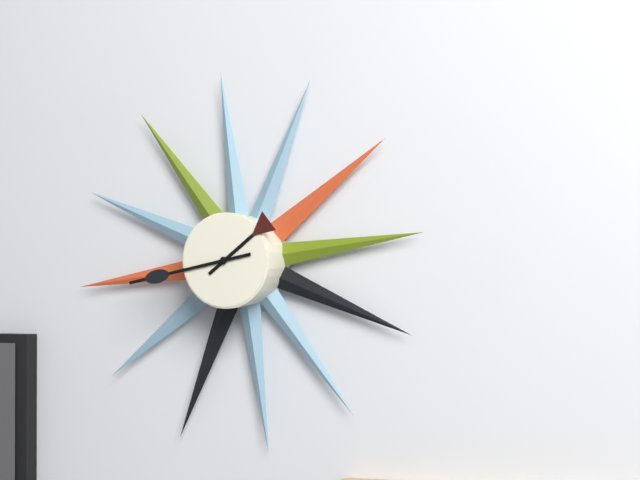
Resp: 1.43
